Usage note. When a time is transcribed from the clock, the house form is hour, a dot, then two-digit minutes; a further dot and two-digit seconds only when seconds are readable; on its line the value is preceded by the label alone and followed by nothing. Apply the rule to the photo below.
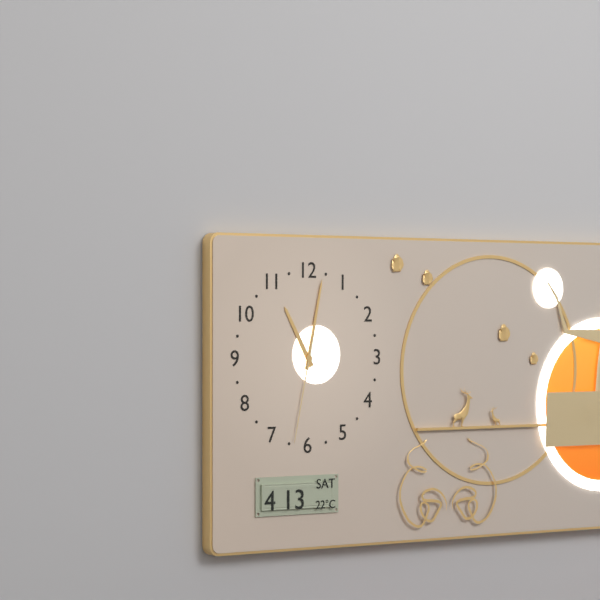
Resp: 11.02.32
